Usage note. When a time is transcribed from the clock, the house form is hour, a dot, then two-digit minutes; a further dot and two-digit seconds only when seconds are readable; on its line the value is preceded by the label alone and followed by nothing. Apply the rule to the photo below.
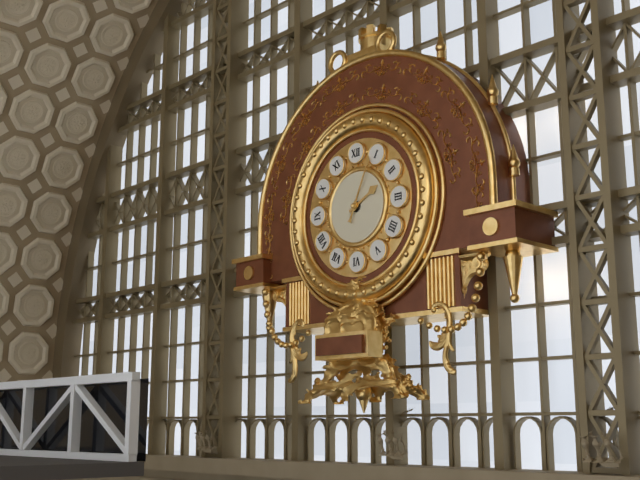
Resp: 2.04
